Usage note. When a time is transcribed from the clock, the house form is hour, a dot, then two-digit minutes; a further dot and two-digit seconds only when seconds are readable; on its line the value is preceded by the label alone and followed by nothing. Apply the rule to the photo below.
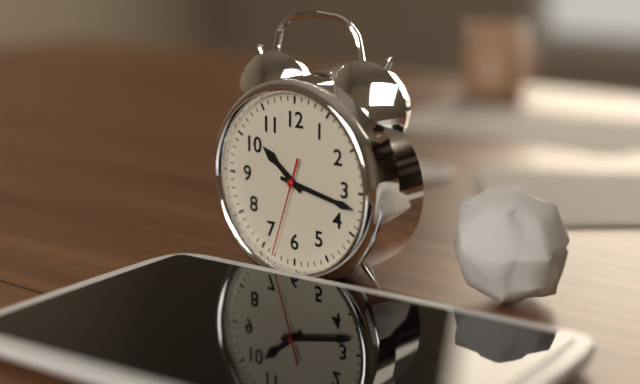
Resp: 10.17.33
